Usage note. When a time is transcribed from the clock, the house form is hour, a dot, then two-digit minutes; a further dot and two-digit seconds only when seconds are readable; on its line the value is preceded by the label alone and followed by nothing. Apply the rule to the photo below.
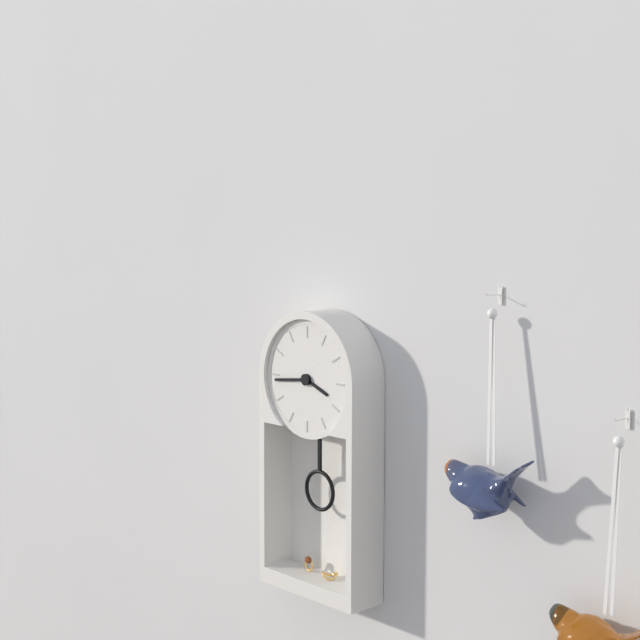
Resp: 3.44
